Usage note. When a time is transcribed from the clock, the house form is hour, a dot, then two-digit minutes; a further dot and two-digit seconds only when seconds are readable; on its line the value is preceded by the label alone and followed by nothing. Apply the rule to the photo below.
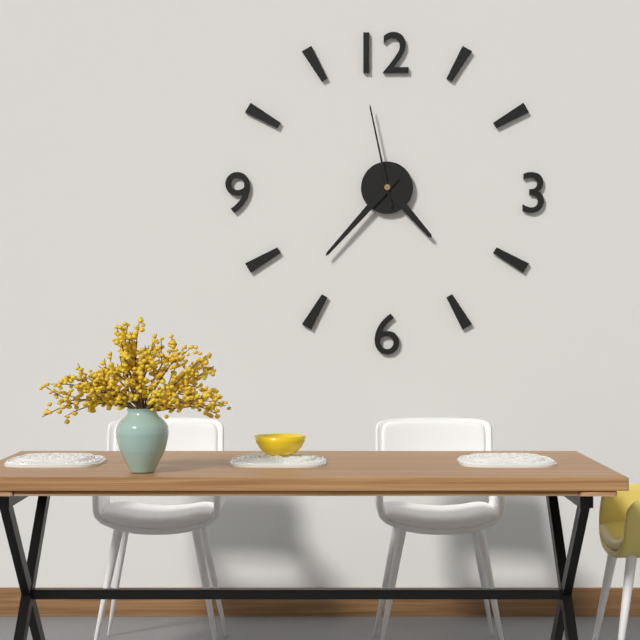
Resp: 4.37.58
